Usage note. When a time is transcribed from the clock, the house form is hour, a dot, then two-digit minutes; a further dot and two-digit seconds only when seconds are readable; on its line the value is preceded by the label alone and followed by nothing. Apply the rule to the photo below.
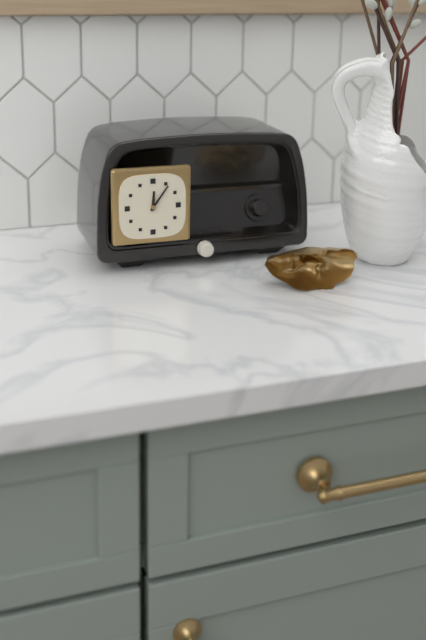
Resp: 12.06
